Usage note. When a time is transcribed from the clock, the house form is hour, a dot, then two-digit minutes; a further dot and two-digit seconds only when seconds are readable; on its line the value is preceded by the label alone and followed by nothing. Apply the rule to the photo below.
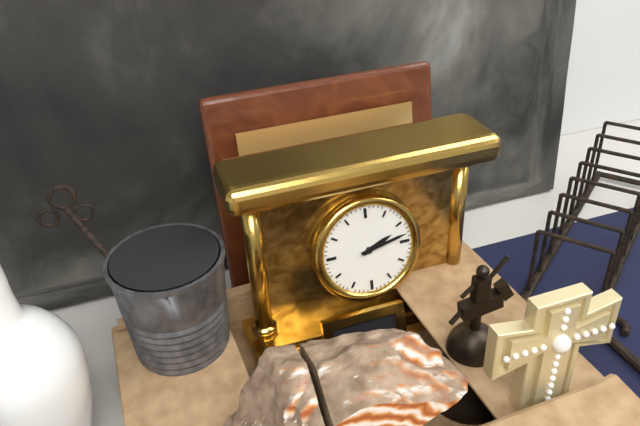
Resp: 2.13
